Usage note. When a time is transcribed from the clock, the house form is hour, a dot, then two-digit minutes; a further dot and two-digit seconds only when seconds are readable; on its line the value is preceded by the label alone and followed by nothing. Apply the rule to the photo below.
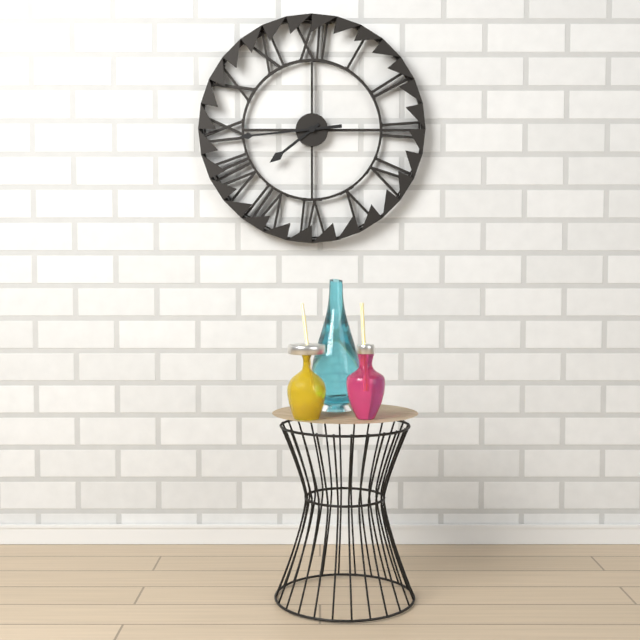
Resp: 7.44
